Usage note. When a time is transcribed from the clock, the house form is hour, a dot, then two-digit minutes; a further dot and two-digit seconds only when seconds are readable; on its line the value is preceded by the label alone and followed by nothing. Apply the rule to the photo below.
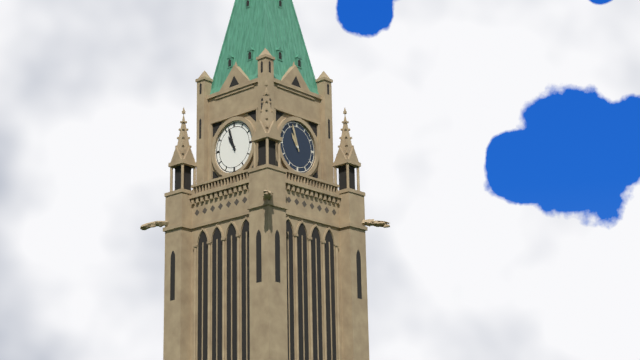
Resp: 10.57
